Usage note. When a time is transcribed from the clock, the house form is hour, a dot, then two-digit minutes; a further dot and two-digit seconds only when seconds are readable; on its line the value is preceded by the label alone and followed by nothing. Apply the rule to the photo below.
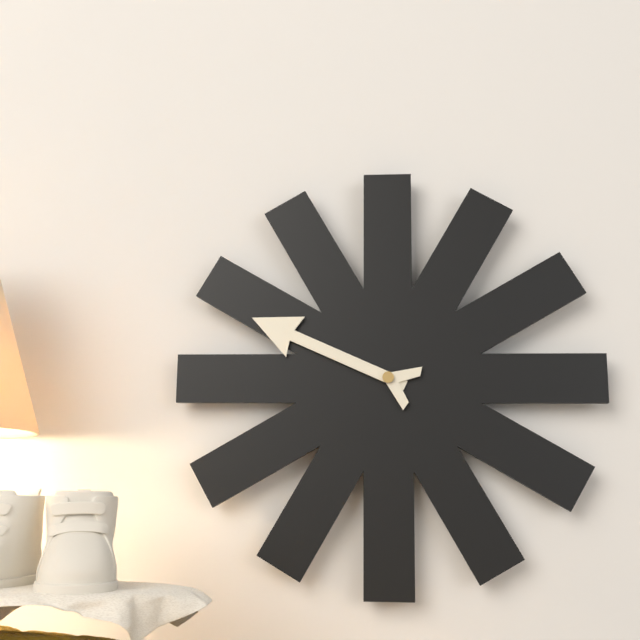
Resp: 9.49
